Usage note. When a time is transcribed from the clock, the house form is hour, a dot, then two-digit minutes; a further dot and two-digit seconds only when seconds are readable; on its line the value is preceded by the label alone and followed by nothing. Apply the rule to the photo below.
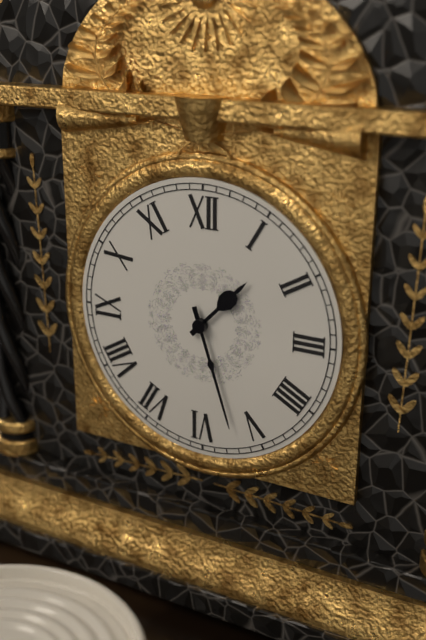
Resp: 1.27
